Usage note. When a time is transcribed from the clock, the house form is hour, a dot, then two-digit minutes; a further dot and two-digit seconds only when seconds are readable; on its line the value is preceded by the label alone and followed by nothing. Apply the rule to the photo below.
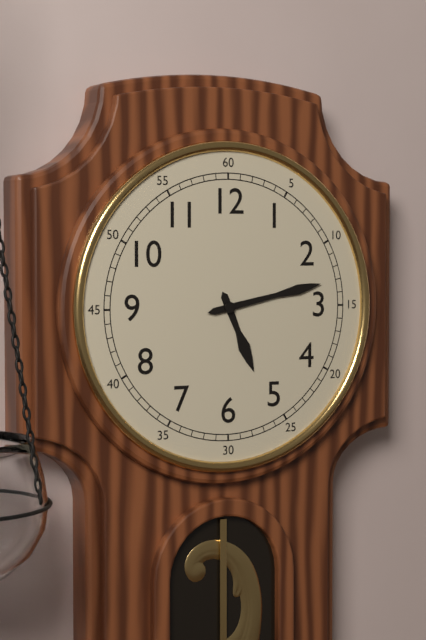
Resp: 5.13
